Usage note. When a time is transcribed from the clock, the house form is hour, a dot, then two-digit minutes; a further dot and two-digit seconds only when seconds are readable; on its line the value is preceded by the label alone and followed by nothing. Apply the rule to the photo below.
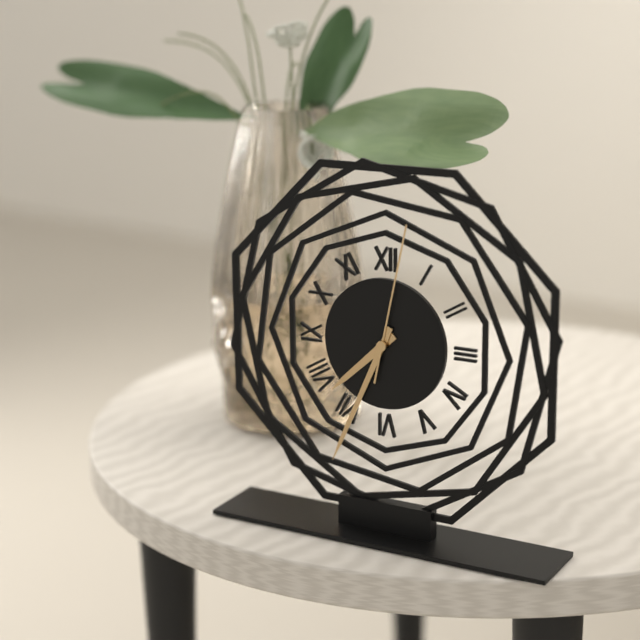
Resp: 7.34.02
